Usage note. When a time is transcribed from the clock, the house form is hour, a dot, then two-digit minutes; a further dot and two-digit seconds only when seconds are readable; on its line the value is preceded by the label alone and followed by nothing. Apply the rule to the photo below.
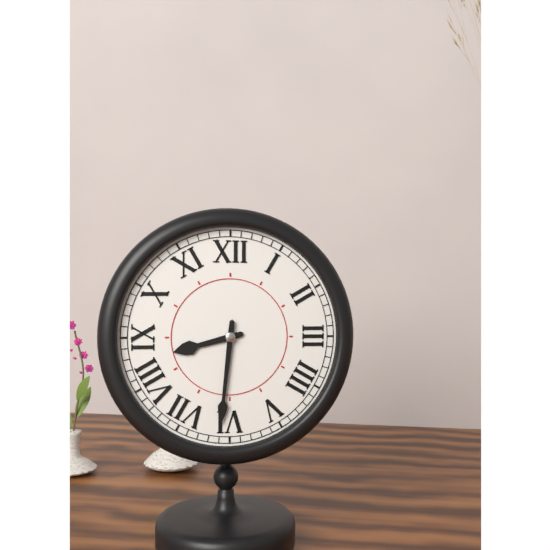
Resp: 8.31
